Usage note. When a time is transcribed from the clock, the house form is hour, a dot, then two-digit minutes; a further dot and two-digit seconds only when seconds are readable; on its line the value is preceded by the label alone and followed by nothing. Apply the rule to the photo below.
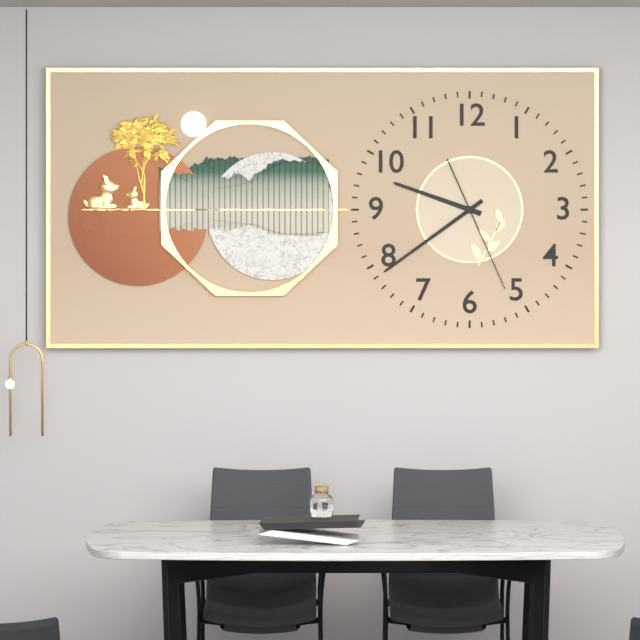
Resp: 9.39.26
